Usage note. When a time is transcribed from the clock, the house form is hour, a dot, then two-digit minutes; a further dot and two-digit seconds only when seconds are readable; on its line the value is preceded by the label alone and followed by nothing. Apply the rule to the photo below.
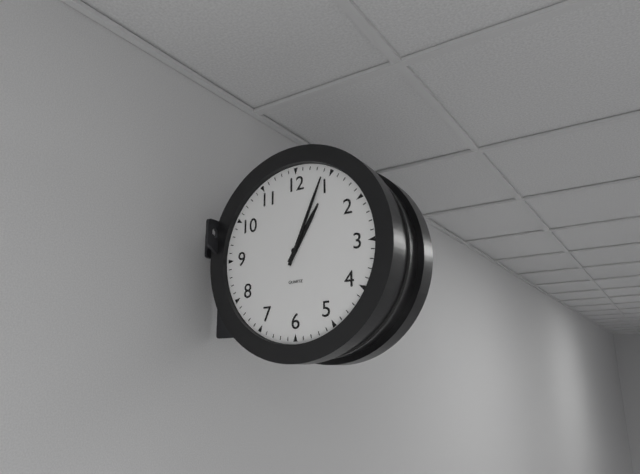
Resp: 1.04
